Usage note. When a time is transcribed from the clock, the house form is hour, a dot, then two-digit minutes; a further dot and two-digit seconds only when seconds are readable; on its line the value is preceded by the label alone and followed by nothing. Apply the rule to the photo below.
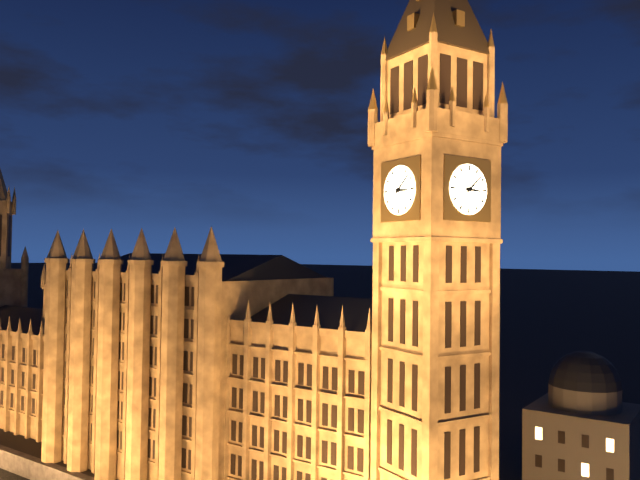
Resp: 3.08
